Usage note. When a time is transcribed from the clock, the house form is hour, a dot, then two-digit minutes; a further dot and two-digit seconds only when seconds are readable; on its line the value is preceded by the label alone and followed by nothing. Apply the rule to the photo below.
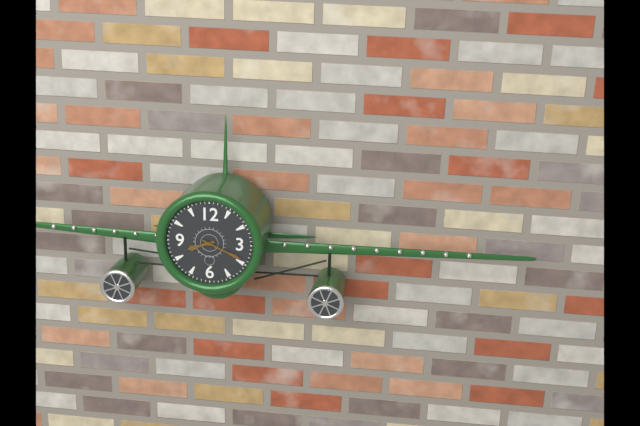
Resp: 8.19
